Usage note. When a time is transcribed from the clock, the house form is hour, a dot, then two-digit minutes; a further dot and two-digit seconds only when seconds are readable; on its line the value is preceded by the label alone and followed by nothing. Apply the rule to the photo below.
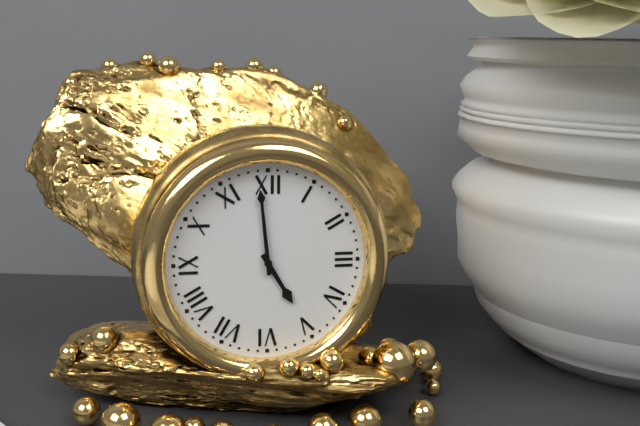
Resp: 4.59
